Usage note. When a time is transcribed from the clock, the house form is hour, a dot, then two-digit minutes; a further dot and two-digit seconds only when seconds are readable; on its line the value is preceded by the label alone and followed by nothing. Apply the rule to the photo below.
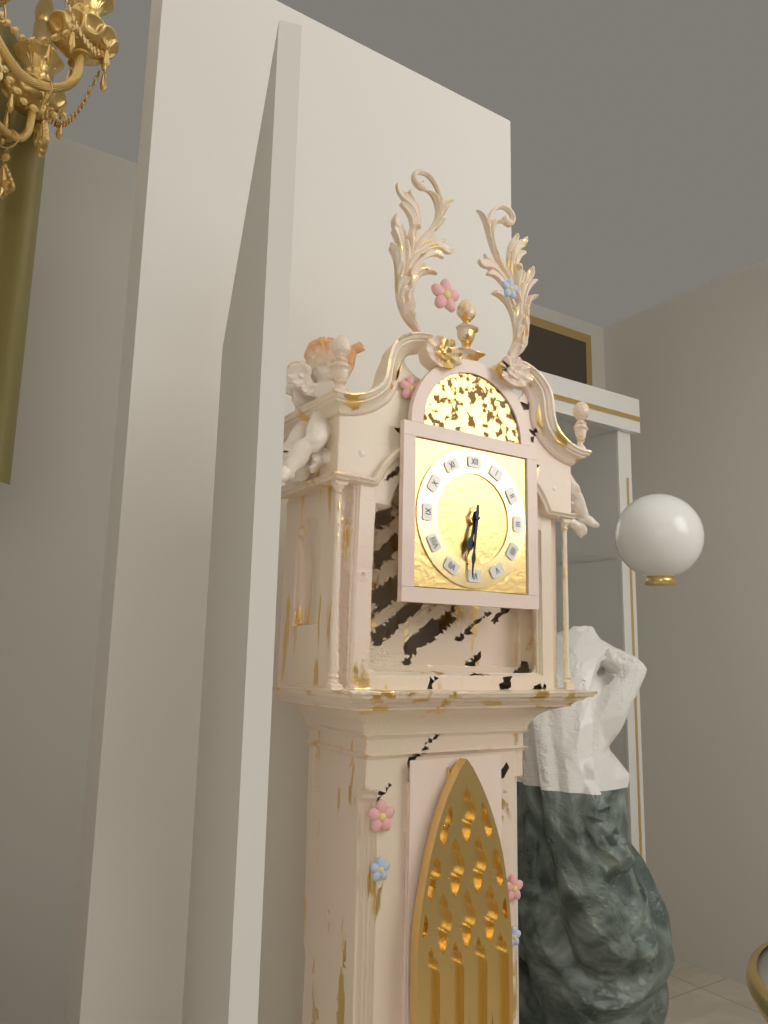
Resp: 6.31
